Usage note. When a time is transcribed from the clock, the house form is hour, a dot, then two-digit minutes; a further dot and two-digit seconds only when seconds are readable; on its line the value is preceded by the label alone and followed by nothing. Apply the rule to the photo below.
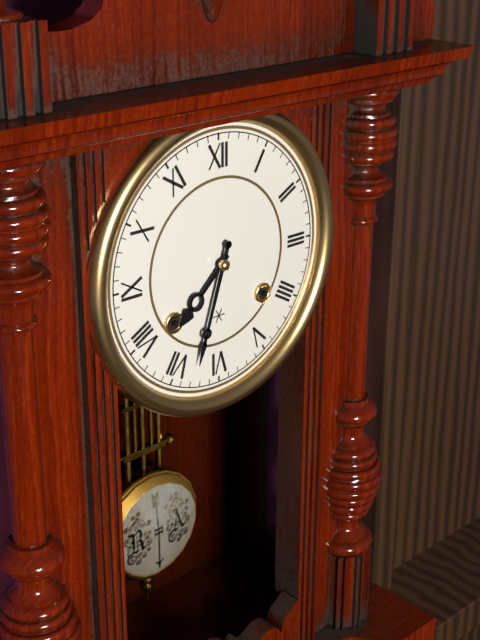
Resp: 7.33
